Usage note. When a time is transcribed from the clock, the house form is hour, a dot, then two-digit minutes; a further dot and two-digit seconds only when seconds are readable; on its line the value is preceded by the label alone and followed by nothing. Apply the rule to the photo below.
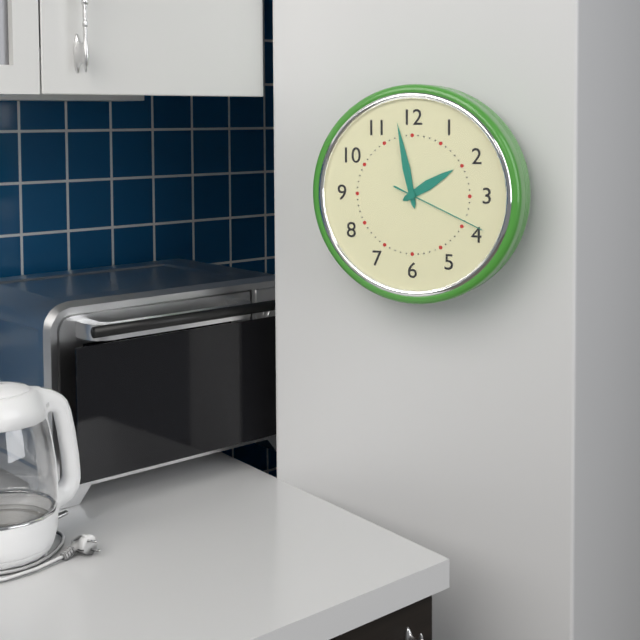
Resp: 1.58.19
